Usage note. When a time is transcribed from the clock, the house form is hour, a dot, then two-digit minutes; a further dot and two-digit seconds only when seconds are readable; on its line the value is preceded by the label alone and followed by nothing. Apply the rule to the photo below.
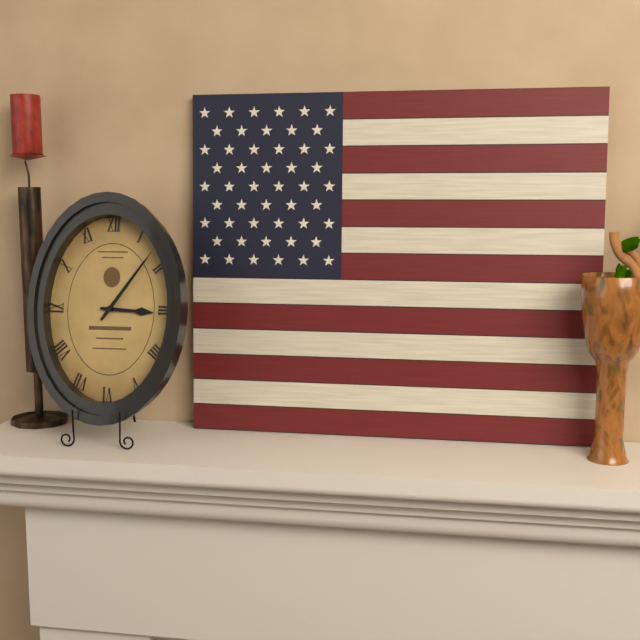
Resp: 3.06
